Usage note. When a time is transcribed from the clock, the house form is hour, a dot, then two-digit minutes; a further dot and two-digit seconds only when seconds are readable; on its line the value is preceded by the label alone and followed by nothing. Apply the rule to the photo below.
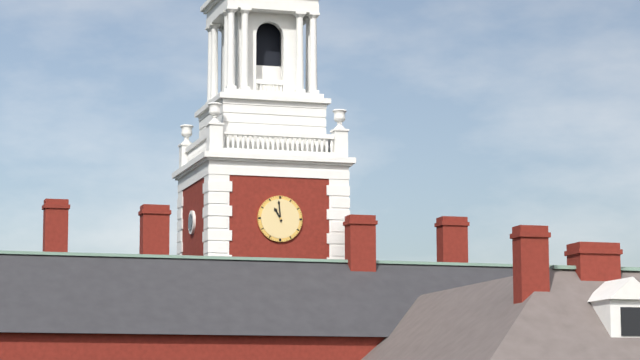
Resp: 10.59
